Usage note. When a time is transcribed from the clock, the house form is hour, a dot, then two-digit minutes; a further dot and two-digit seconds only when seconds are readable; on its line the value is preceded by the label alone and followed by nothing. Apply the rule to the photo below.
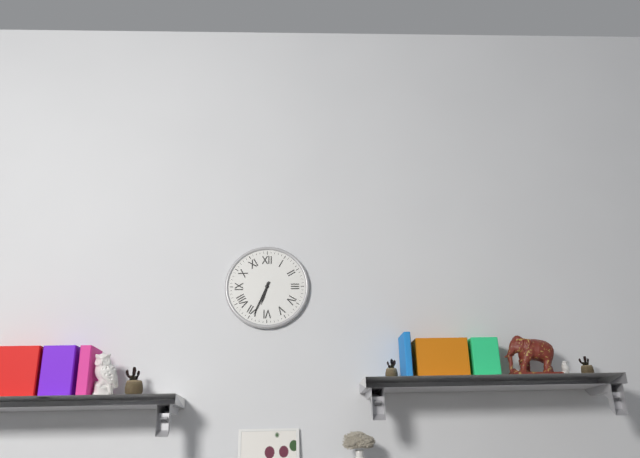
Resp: 6.34
